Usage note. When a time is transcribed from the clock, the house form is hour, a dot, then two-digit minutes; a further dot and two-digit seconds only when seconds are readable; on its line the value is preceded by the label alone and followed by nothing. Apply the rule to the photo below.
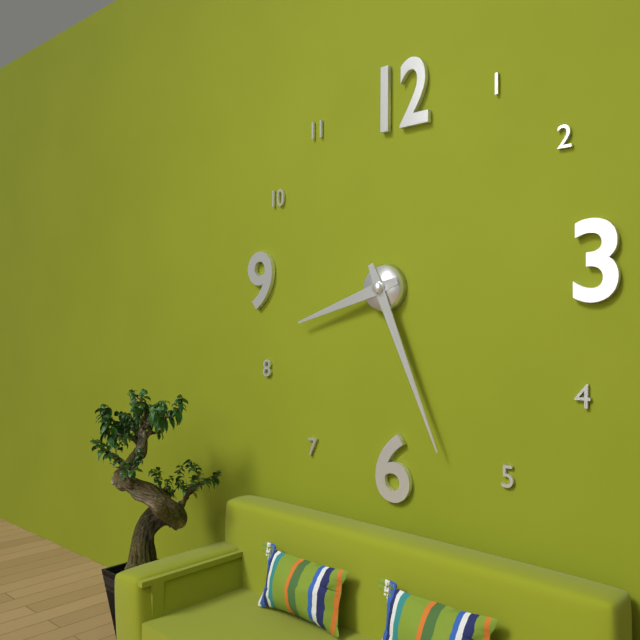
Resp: 8.26
